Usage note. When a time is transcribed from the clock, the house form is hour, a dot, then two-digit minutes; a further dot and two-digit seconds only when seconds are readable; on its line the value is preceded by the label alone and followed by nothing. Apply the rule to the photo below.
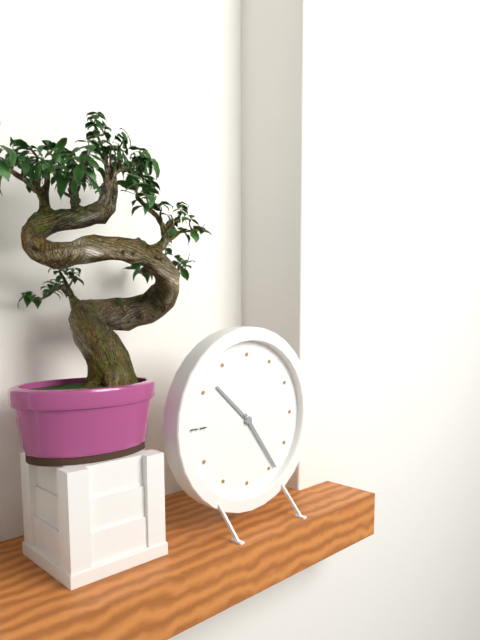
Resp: 10.24
